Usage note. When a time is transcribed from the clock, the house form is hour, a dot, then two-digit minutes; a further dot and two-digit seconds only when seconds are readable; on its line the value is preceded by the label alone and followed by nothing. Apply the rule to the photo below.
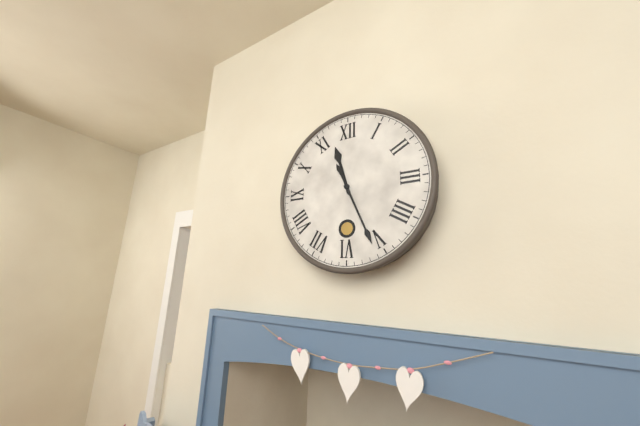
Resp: 11.26
